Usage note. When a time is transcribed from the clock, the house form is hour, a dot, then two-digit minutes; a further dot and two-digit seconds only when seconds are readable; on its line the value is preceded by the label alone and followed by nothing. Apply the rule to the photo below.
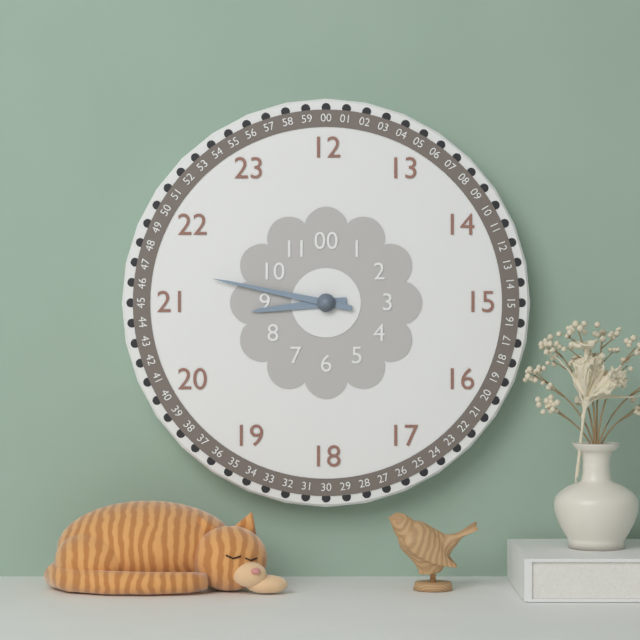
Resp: 8.47
